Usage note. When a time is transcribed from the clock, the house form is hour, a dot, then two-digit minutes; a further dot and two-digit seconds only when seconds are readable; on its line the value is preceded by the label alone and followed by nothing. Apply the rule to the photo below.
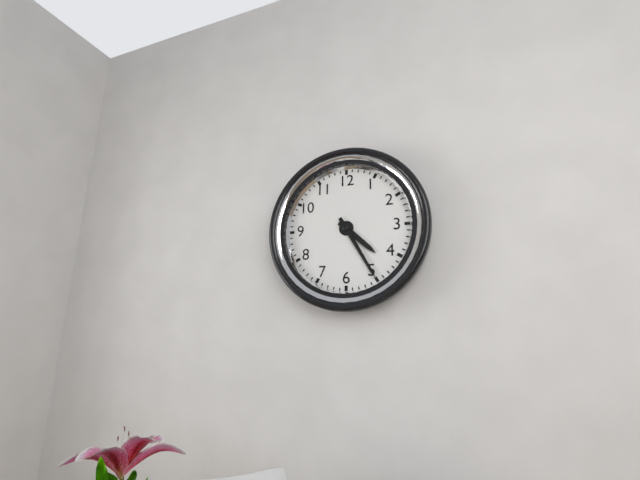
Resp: 4.25
